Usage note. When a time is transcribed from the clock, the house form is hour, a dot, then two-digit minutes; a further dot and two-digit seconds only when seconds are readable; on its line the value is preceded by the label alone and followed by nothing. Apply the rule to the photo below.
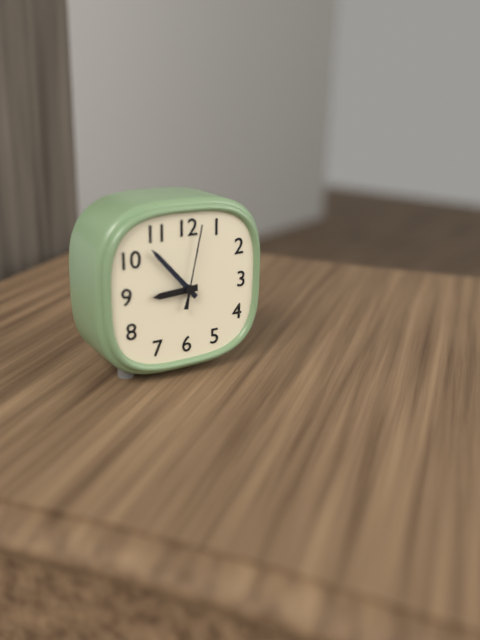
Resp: 8.53.02
